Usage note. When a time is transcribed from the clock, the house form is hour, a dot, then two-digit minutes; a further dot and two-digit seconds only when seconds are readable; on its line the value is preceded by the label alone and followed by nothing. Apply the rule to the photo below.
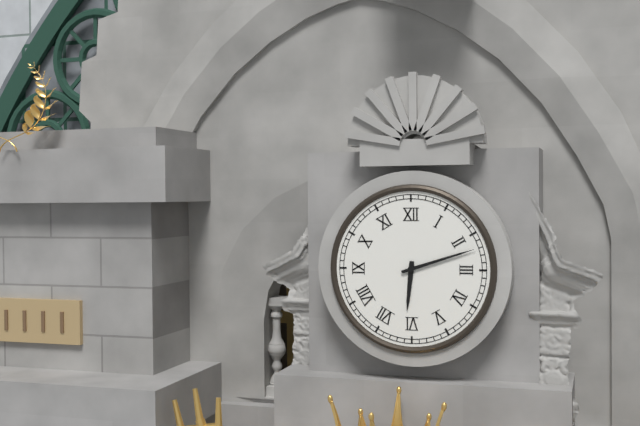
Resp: 6.12
